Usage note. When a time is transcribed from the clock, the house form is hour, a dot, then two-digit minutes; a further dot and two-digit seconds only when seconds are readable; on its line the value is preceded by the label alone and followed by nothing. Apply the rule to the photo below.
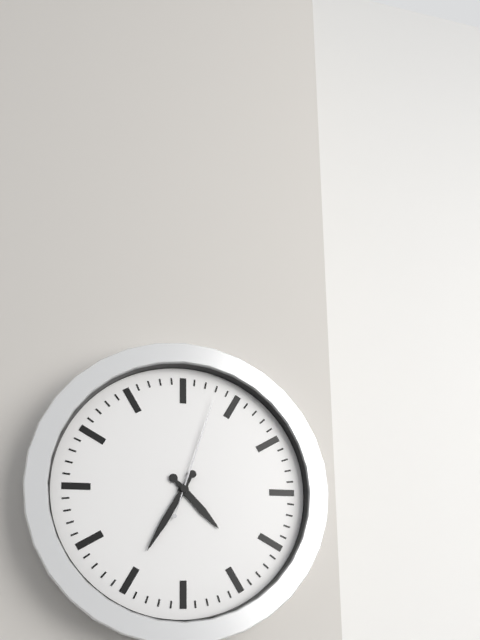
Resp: 4.35.03
